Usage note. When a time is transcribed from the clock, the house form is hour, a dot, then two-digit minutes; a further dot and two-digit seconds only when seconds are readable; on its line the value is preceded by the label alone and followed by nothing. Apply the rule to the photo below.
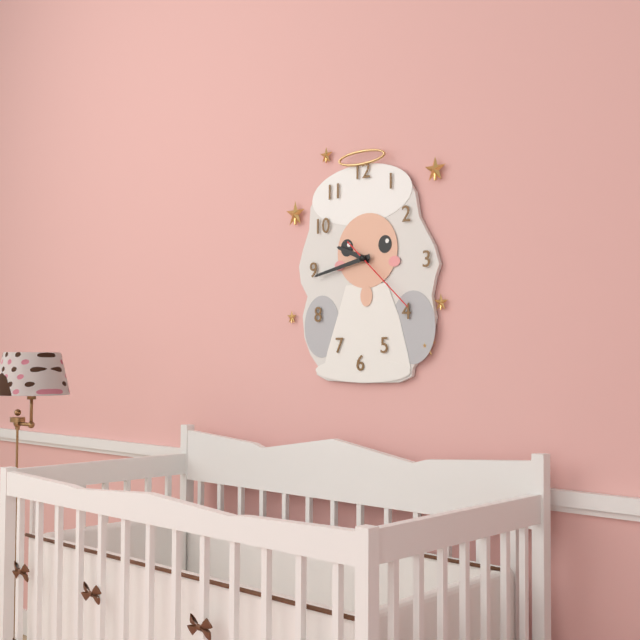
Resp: 9.43.22
